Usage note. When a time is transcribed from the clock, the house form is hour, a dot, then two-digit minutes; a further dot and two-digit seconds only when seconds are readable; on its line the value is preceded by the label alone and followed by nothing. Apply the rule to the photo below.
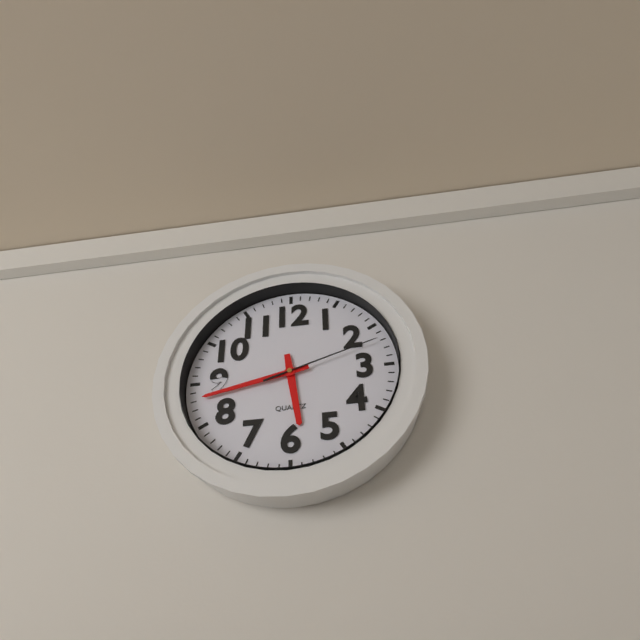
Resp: 5.43.12
